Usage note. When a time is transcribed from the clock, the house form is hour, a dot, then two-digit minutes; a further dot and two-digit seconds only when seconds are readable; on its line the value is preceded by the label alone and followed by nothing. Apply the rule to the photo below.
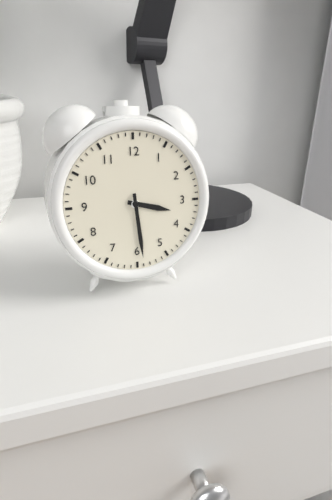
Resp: 3.29
